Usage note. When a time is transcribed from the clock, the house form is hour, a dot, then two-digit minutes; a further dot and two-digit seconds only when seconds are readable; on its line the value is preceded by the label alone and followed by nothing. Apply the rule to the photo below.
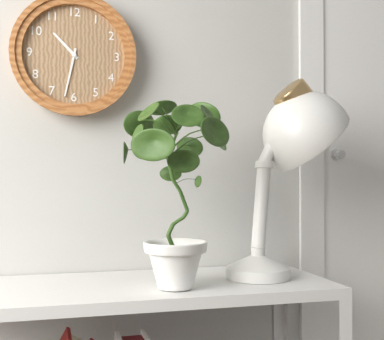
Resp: 10.32
